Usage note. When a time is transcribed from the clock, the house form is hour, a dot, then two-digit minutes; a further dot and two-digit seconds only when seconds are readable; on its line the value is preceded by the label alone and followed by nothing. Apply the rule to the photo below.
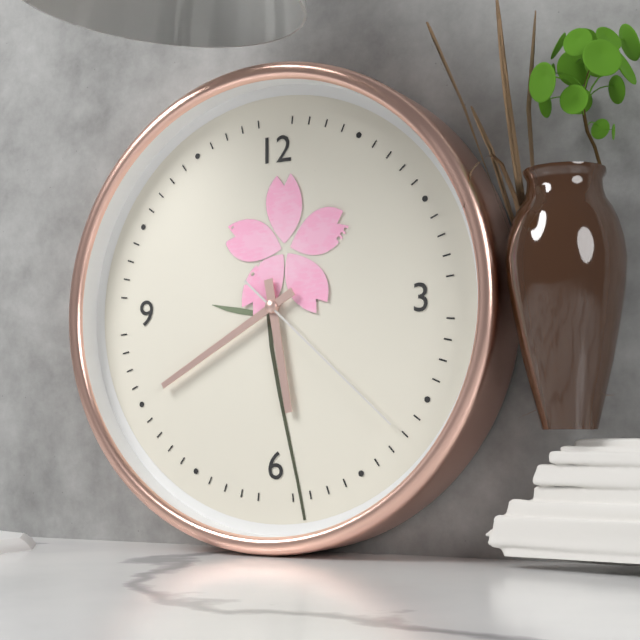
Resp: 5.40.22
